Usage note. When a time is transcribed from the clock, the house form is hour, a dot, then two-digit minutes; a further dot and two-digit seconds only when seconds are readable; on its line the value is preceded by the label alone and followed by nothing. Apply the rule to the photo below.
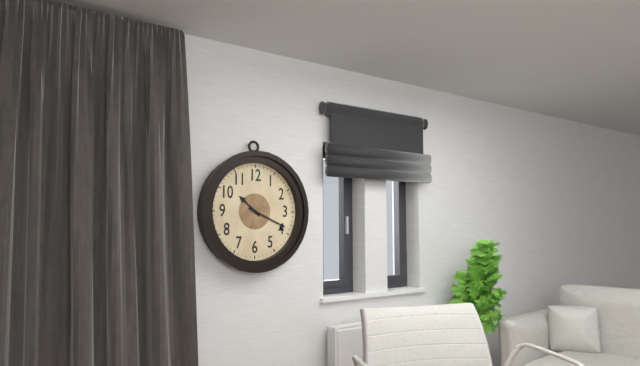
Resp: 10.19
